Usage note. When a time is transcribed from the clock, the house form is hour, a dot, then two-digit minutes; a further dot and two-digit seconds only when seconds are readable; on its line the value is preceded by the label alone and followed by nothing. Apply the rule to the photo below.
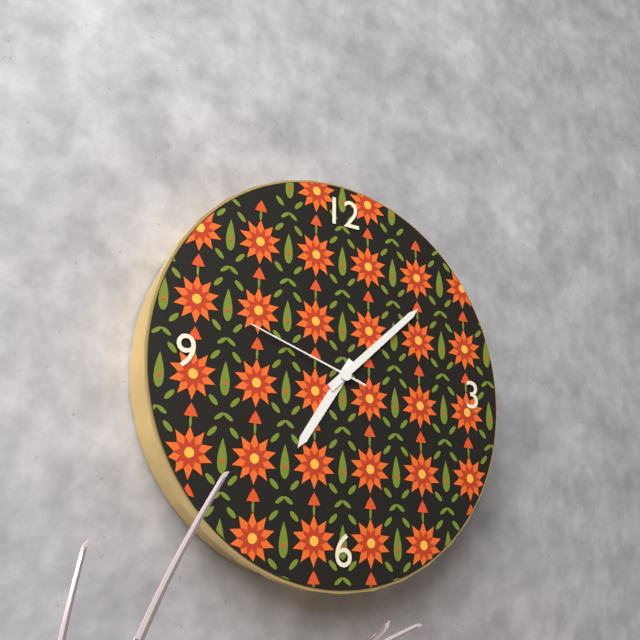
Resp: 7.08.48
